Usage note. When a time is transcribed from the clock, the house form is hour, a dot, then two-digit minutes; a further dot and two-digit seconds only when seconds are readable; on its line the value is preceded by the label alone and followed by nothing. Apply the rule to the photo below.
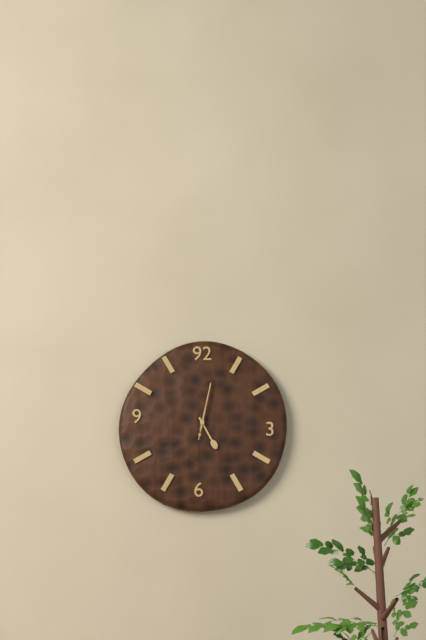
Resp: 5.02
